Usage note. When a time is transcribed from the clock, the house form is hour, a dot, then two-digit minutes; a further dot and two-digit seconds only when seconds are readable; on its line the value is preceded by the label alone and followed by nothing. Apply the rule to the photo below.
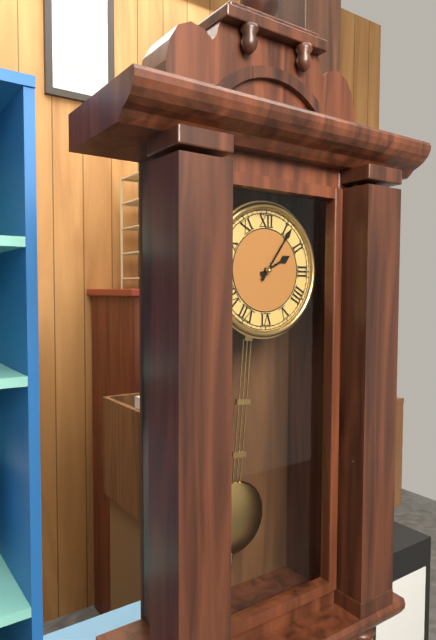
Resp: 2.06
